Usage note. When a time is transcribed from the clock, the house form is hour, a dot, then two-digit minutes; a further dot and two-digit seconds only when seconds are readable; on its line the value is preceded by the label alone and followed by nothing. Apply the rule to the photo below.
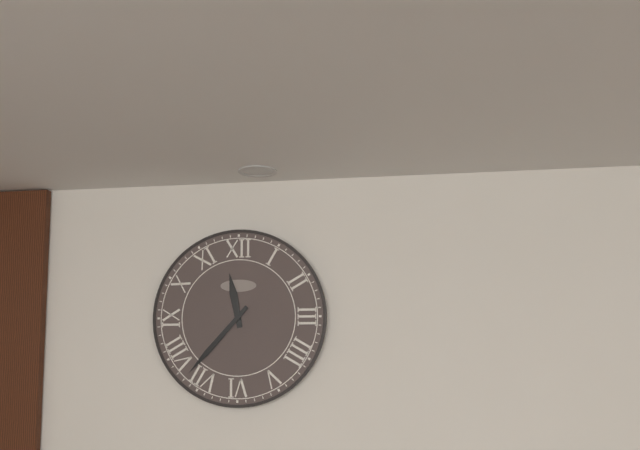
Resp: 11.37
